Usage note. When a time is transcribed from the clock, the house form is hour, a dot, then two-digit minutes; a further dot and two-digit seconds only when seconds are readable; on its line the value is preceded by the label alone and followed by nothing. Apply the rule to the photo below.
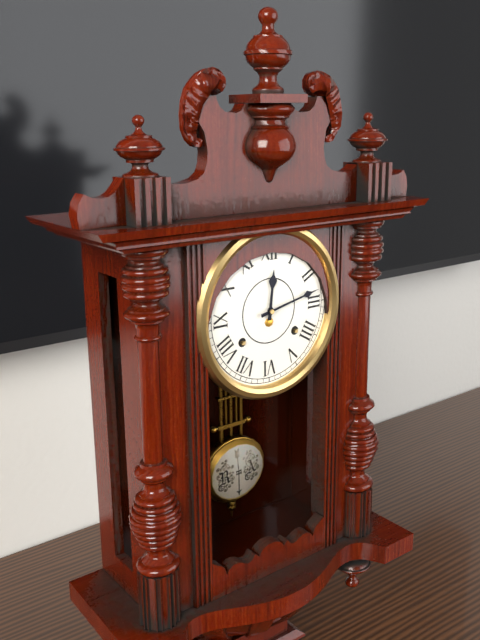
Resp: 12.13
